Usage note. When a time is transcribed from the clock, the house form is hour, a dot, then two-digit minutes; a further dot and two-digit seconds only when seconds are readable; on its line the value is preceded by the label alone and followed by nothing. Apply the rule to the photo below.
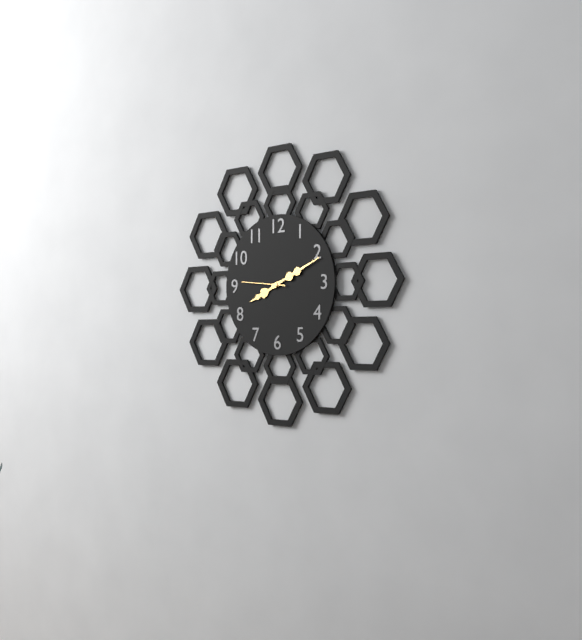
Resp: 8.11
